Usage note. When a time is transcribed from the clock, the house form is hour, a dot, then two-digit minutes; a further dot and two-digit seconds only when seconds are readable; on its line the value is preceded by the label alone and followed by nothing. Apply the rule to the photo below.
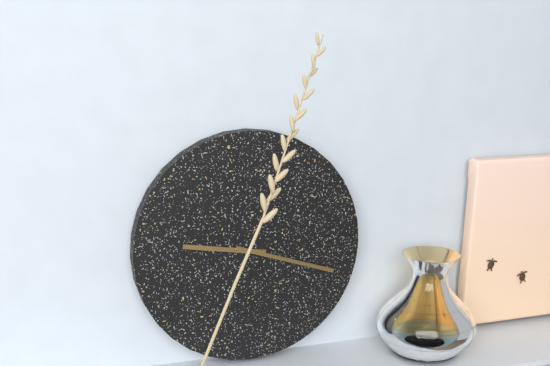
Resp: 9.18
